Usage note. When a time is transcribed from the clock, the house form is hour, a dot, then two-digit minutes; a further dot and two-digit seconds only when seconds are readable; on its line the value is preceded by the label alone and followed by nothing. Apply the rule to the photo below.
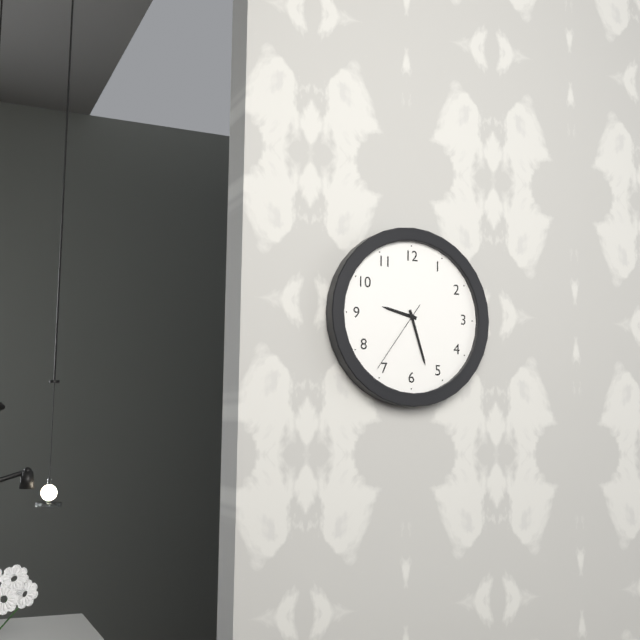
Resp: 9.27.36
